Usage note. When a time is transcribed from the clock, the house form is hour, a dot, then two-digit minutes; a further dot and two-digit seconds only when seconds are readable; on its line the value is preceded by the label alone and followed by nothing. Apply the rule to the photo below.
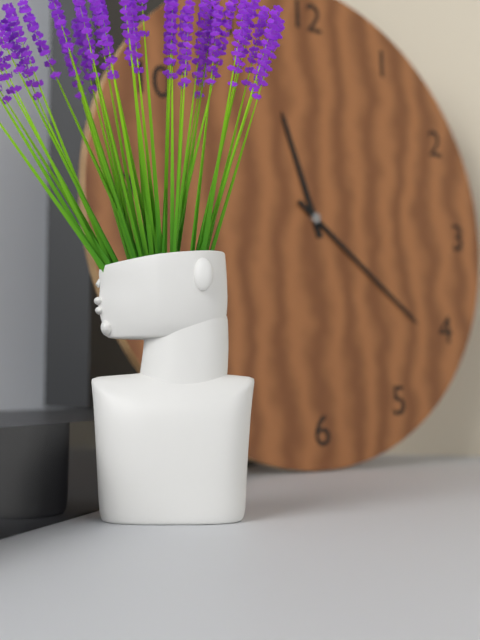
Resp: 11.21
